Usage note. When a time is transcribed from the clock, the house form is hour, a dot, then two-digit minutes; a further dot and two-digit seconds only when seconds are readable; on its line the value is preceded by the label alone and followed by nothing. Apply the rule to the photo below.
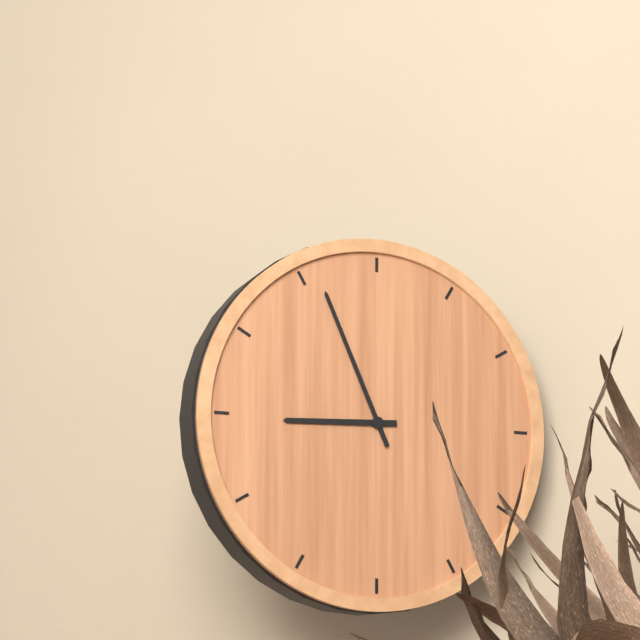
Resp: 8.56
